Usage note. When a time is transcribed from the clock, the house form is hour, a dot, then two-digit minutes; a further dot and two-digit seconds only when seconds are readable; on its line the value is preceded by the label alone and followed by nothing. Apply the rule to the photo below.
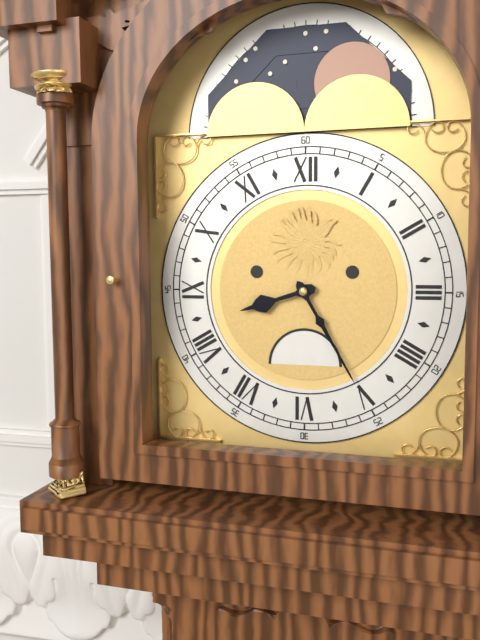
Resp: 8.25
